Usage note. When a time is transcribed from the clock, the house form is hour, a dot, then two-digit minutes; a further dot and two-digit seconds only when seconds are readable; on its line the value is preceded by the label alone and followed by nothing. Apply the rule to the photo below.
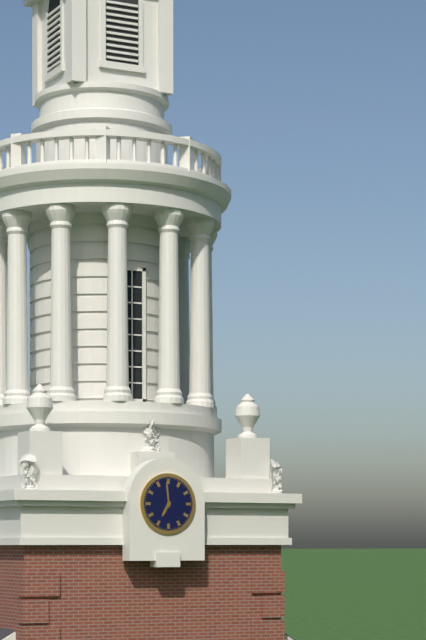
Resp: 6.59
